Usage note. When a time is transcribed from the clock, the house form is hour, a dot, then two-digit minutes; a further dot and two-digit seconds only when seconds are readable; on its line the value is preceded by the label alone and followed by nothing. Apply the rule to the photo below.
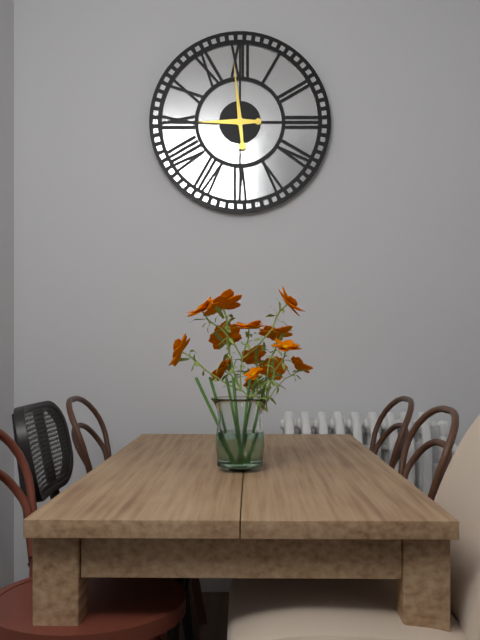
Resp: 8.59
